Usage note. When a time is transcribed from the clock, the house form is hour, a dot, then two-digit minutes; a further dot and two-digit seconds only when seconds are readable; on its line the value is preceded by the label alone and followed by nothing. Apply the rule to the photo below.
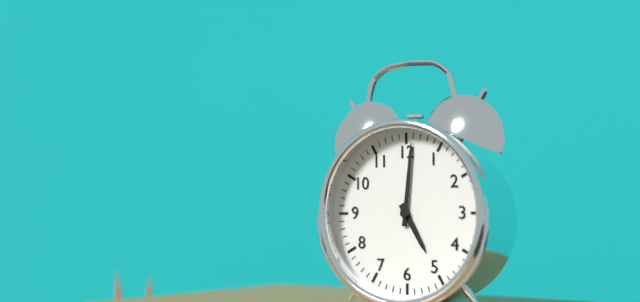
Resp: 5.01
